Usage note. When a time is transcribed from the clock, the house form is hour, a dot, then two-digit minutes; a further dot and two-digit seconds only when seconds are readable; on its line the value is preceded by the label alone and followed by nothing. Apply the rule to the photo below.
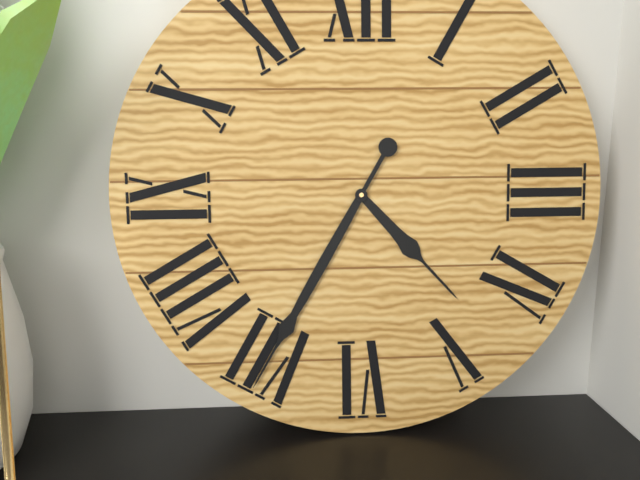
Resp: 4.35
